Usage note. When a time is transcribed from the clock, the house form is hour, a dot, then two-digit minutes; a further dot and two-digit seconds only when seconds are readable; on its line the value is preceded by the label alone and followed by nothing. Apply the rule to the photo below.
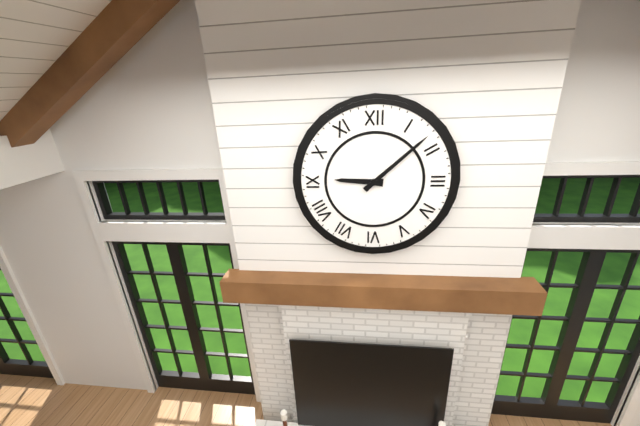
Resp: 9.08
